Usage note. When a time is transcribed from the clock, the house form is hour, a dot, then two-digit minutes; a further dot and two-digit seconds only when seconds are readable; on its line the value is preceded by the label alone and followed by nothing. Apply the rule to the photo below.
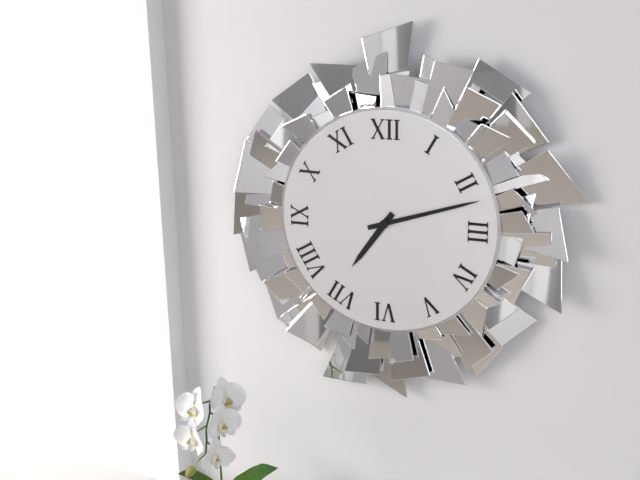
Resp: 7.12
